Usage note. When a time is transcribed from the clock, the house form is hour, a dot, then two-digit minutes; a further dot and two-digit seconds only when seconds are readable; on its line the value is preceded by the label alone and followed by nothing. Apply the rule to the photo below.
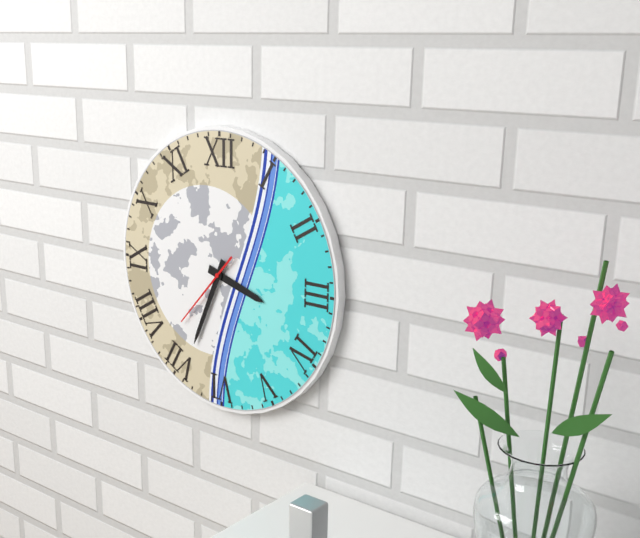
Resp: 3.34.37
